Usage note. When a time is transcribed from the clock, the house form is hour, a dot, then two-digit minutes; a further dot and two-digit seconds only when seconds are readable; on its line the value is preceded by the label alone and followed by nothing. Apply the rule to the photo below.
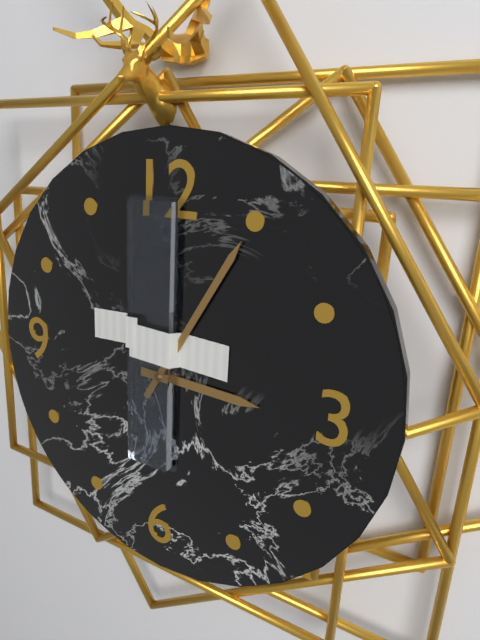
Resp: 3.05
